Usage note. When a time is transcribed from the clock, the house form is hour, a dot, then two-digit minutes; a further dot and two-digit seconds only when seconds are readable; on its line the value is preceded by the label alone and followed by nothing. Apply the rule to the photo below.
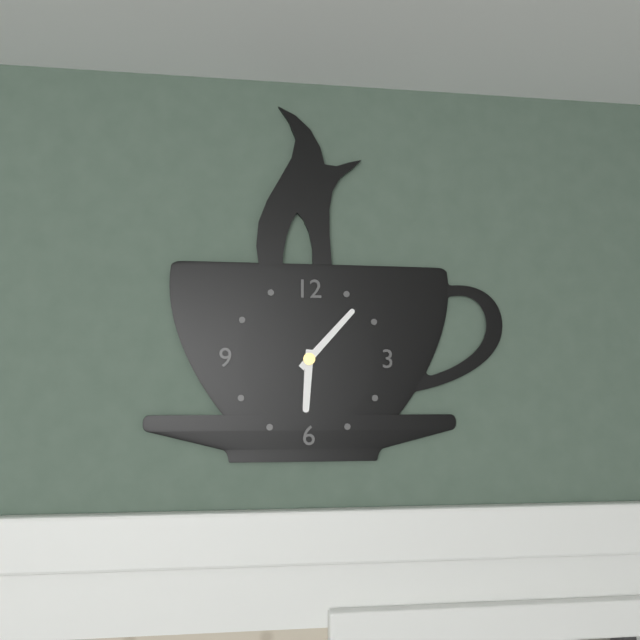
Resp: 6.07
